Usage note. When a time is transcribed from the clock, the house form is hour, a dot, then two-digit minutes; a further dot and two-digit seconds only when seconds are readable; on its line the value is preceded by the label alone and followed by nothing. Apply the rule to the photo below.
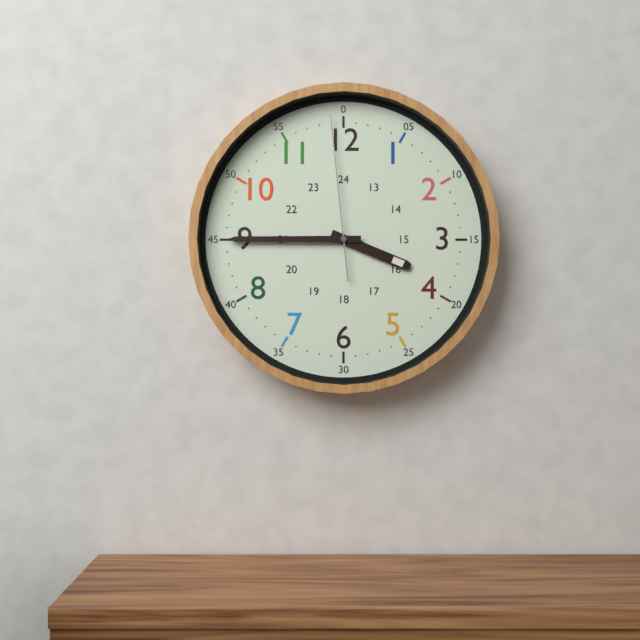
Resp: 3.45.59
